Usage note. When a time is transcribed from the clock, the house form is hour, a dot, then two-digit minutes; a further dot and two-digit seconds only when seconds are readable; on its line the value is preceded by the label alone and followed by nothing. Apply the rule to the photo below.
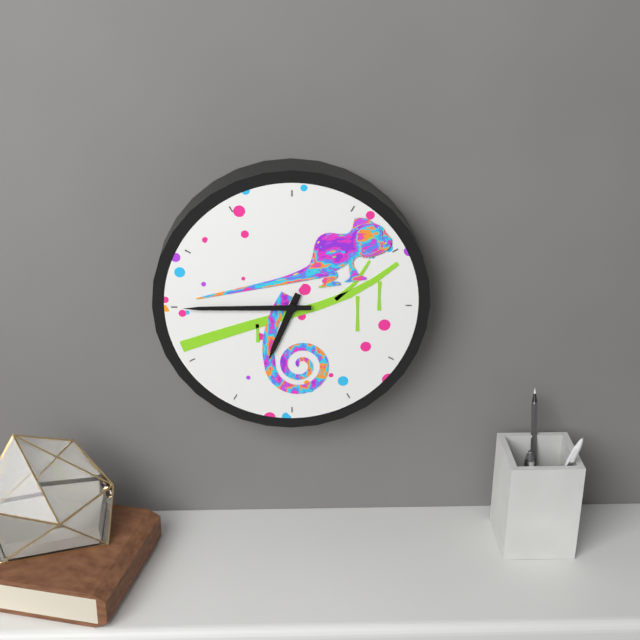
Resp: 6.45
